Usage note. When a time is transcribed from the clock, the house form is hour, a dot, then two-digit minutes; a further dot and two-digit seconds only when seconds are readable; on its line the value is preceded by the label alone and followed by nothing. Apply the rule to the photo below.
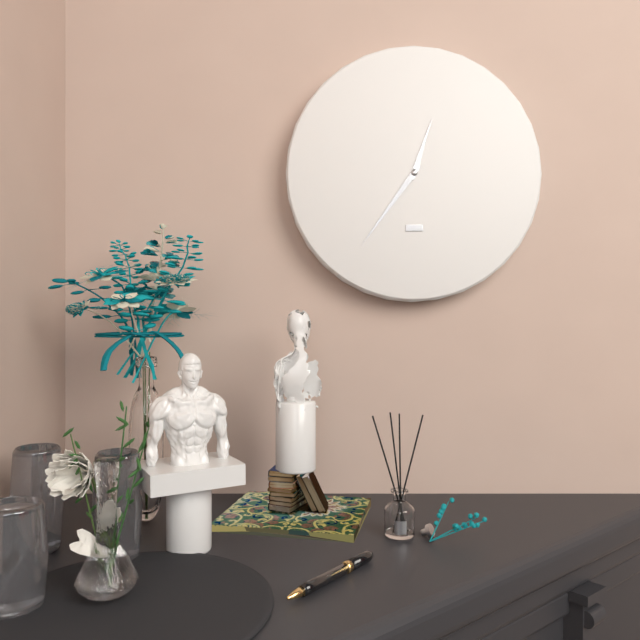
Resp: 12.36
